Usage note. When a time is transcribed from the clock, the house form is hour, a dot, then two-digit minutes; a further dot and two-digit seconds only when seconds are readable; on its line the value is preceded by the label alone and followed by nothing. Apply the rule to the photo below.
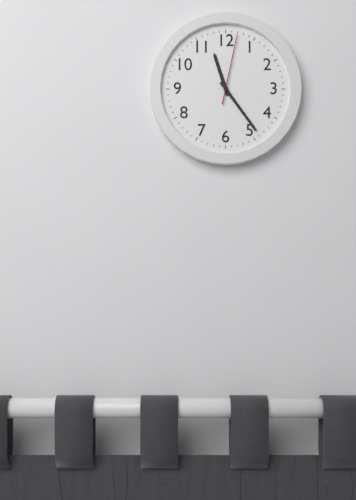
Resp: 11.24.02
